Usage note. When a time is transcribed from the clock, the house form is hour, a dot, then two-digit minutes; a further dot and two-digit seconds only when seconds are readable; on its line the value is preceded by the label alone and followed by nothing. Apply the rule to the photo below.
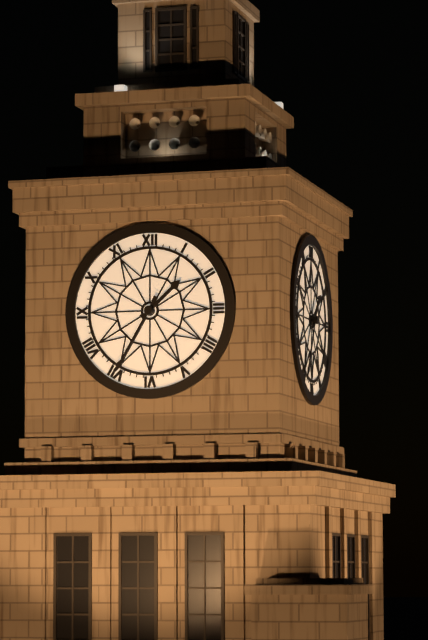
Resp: 1.35
